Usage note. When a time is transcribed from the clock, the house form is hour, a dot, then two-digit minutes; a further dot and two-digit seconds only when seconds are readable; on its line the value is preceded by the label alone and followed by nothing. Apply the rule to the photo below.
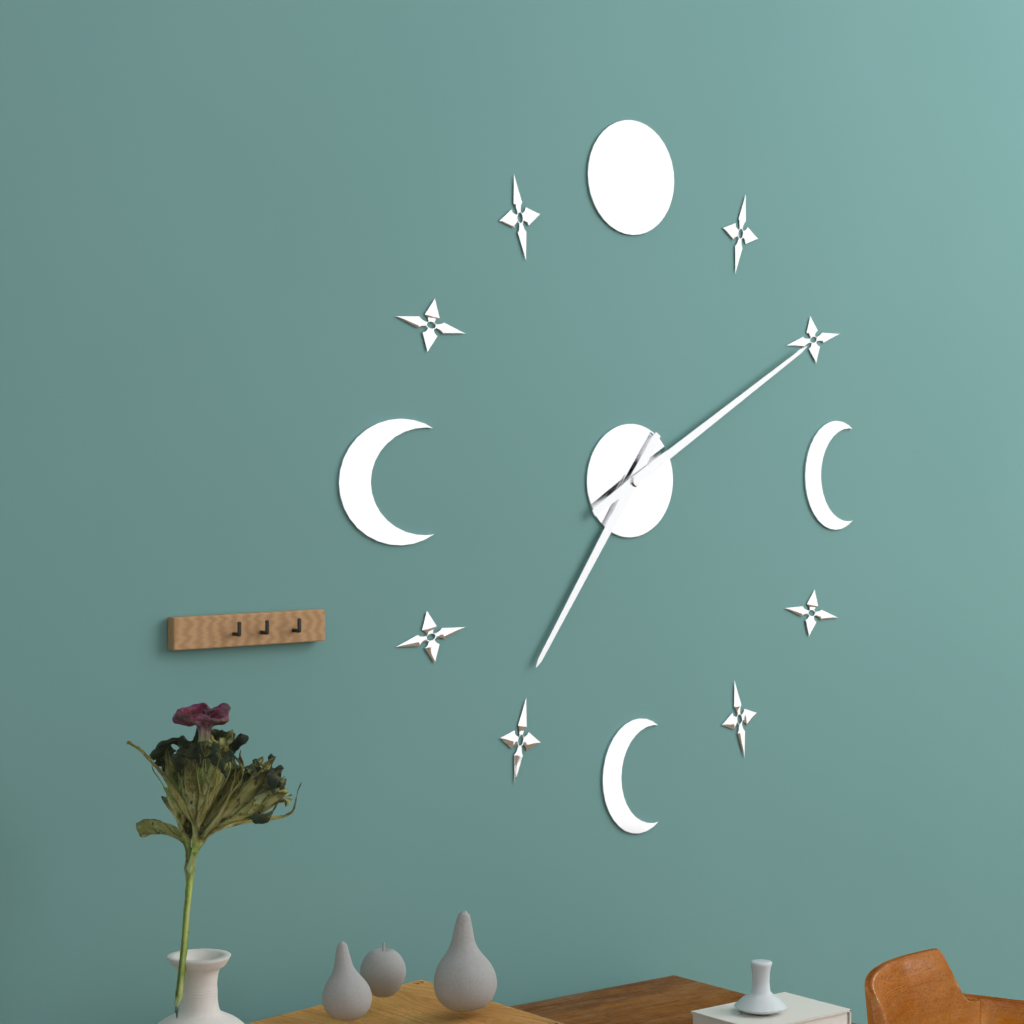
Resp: 7.10
